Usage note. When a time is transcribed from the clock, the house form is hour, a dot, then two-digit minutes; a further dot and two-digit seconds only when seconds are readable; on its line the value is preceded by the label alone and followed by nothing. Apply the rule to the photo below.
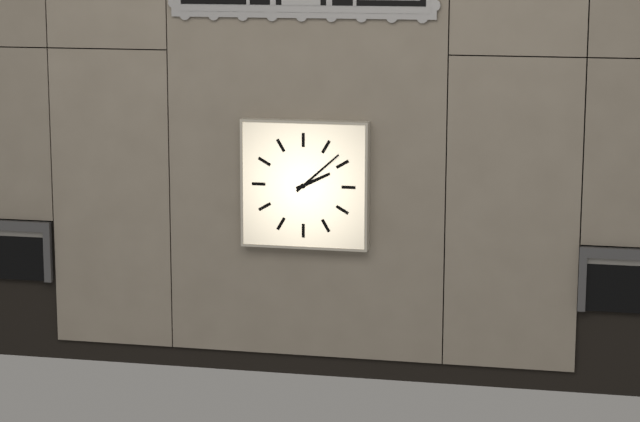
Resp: 2.08
